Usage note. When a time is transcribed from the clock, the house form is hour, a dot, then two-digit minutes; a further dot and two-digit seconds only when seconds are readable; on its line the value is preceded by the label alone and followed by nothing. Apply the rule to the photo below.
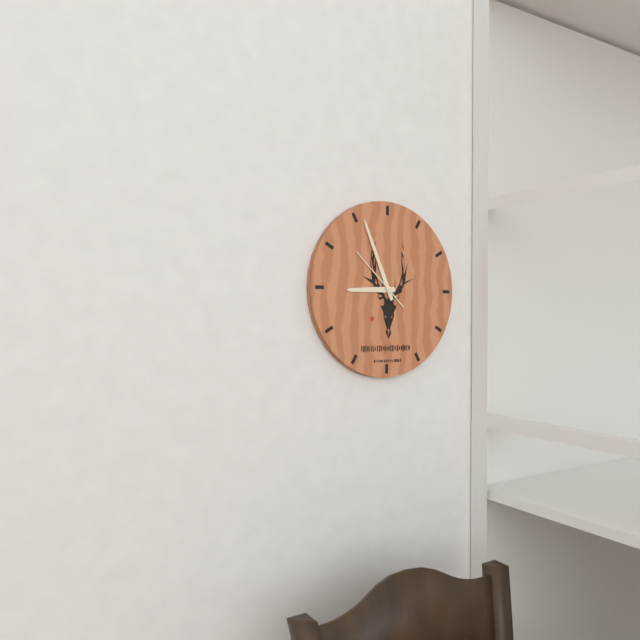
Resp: 8.56.52
